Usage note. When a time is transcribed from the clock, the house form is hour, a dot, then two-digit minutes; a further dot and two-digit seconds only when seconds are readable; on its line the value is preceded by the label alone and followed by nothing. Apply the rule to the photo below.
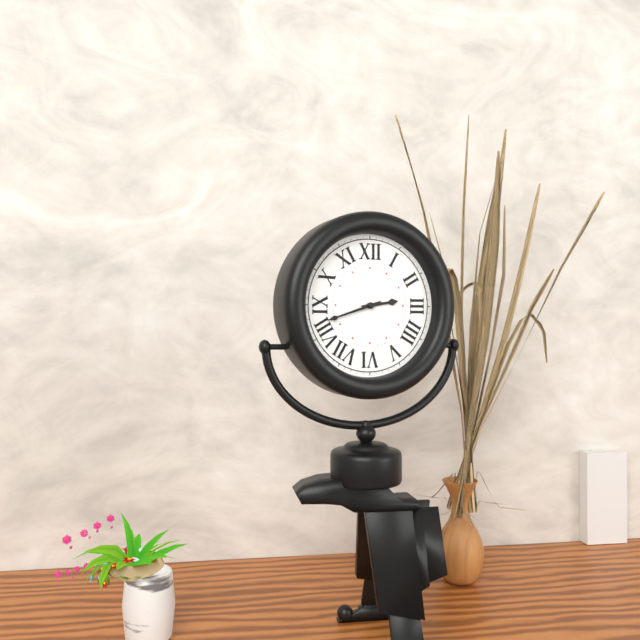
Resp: 2.42
